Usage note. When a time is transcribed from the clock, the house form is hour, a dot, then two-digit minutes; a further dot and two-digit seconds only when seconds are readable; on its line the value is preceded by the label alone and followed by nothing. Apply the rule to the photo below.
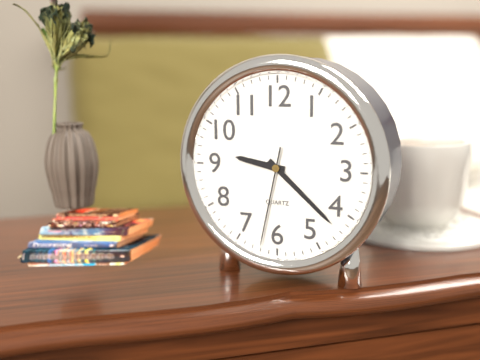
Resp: 9.22.32
